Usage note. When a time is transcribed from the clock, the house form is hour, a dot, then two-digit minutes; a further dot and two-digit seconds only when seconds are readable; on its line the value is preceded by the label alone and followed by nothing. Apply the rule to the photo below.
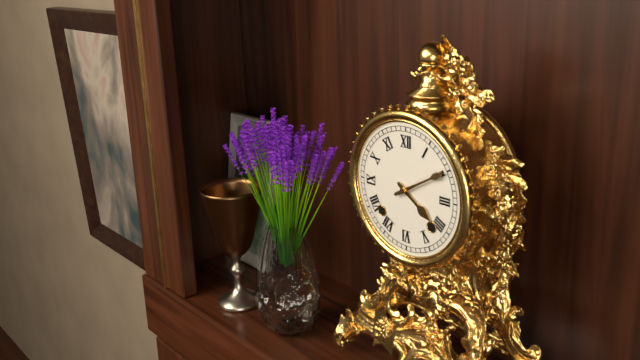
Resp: 4.10
